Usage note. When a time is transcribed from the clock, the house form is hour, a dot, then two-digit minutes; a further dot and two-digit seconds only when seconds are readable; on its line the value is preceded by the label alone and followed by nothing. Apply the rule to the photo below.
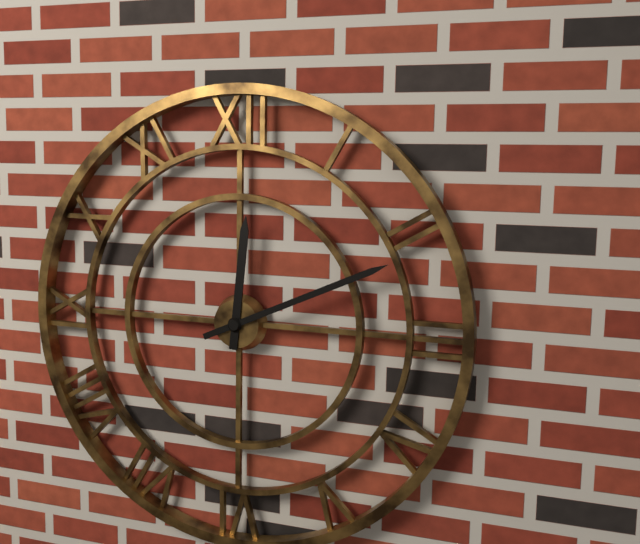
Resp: 12.11
